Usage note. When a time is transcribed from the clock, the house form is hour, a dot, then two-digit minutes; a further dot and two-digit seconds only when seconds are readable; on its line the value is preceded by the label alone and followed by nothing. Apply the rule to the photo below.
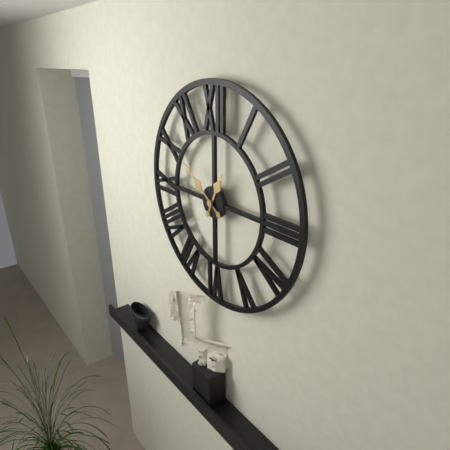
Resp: 12.51
